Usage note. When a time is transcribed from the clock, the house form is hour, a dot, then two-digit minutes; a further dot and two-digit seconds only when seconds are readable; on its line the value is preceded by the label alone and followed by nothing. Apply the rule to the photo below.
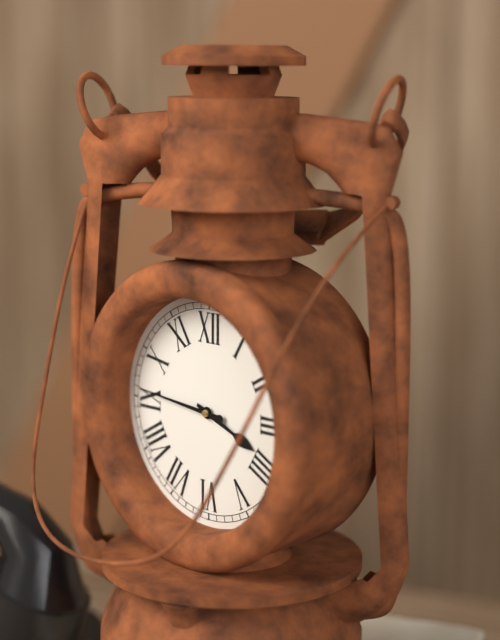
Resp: 3.46
